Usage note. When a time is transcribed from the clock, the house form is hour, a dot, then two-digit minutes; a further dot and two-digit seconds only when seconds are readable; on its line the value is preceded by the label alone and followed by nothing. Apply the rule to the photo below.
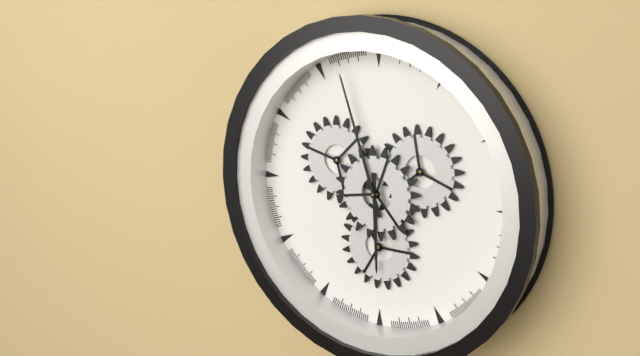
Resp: 5.57
